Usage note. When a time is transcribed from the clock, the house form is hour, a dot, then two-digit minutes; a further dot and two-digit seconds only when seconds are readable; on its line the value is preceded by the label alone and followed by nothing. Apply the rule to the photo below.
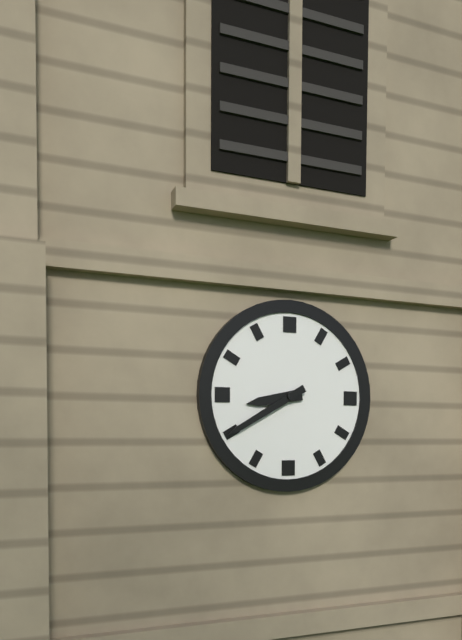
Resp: 8.40
